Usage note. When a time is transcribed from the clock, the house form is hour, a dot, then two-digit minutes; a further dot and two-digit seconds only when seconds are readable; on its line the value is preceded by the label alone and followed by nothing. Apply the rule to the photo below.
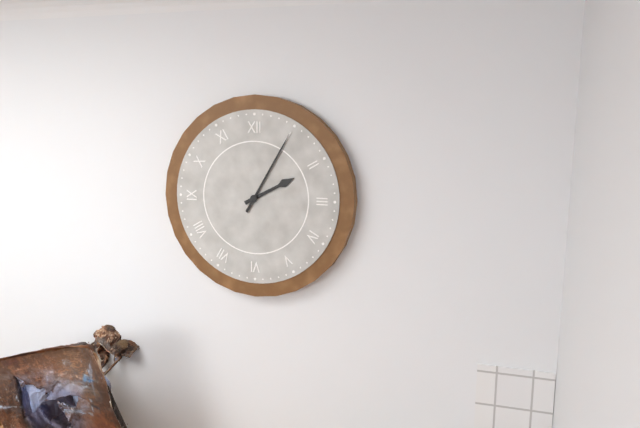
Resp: 2.05
